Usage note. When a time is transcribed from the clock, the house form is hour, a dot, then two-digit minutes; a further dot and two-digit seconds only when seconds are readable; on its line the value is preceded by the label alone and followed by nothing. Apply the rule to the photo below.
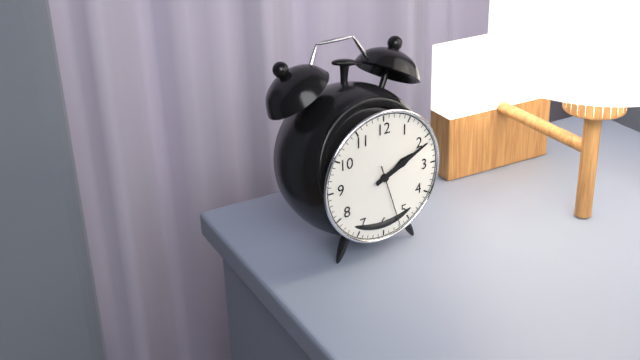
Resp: 2.11.27
